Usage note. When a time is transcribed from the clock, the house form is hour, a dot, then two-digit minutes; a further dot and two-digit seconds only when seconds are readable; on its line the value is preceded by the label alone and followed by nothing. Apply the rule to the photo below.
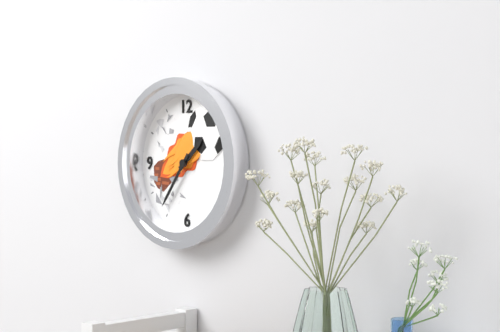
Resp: 1.36
